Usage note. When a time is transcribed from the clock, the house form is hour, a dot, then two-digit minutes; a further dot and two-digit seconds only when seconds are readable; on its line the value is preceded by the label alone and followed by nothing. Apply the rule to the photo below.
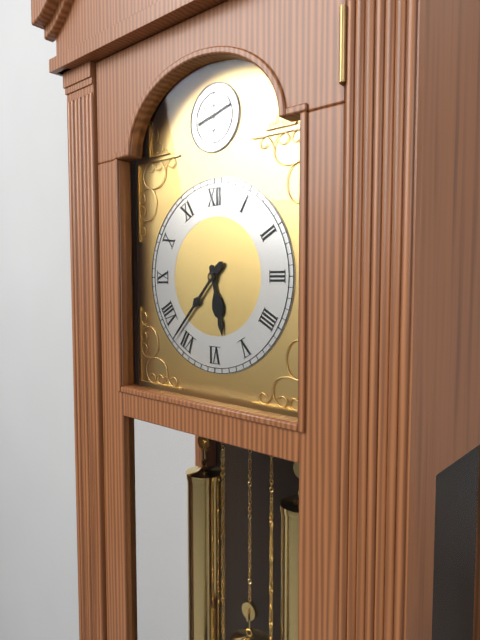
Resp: 5.37
